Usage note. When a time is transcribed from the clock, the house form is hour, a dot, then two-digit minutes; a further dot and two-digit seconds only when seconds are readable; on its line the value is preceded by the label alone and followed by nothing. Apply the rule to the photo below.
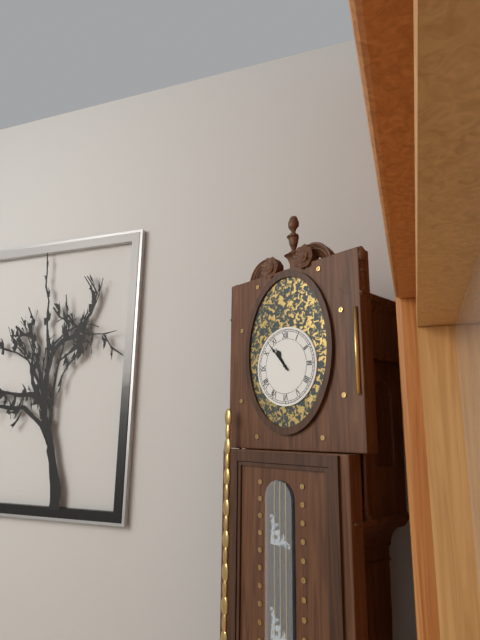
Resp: 10.53
